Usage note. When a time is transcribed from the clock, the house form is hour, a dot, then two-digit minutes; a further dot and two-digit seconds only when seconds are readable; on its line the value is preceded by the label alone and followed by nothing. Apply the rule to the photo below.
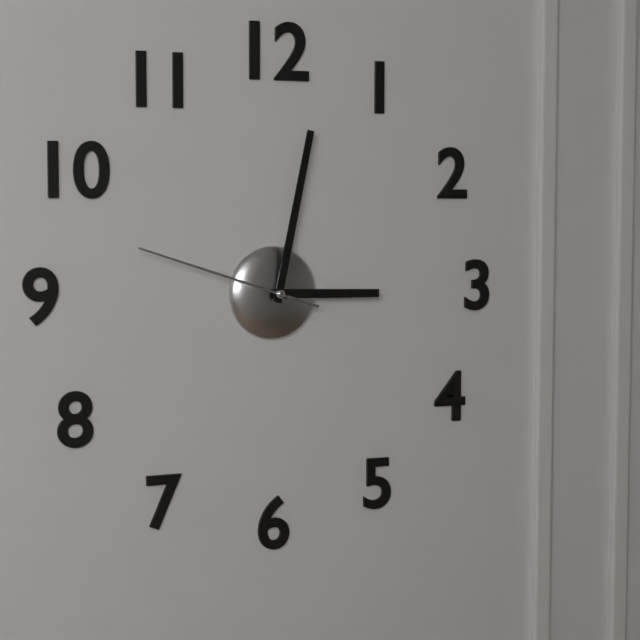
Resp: 3.02.48
